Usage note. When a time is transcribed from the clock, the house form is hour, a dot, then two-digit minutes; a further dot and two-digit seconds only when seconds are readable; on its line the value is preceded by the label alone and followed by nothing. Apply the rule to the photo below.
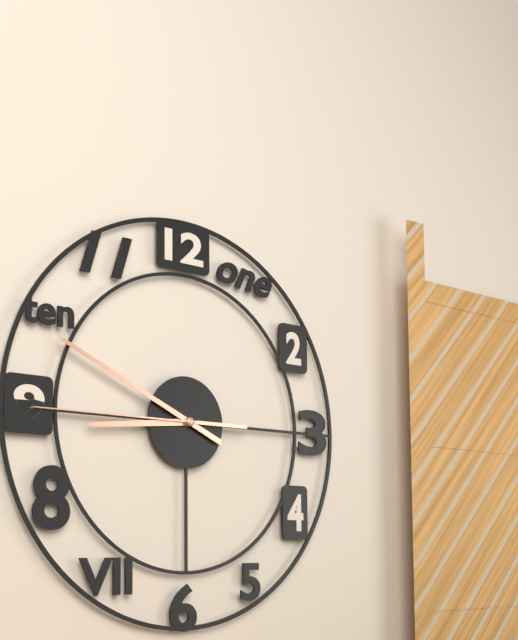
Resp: 8.49.45
